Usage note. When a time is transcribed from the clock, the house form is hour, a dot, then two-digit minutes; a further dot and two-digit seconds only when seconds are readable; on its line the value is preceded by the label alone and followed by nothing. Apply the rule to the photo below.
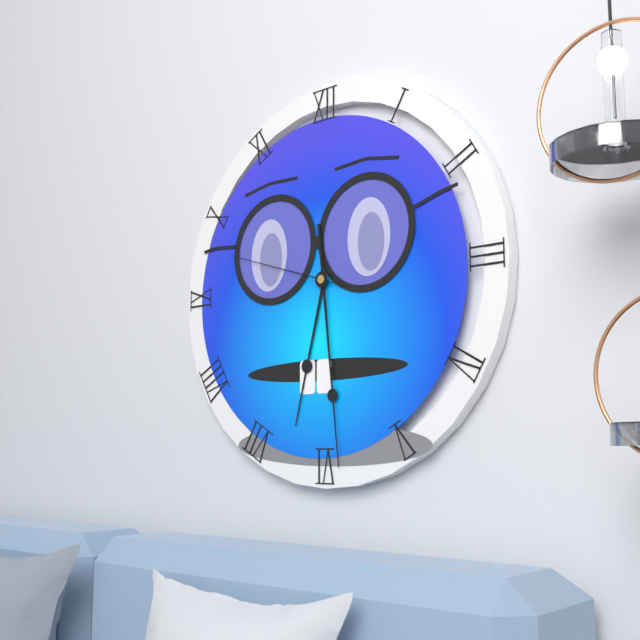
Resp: 6.29.48
